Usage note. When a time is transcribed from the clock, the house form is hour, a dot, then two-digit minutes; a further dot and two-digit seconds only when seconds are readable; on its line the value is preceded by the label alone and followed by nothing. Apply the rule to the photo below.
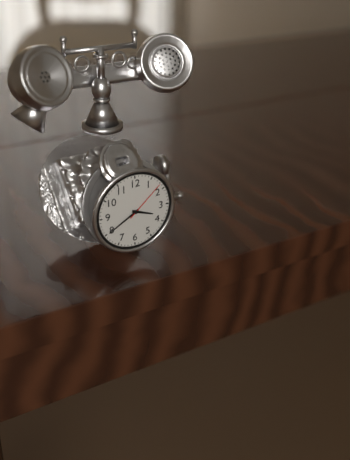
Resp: 3.40
